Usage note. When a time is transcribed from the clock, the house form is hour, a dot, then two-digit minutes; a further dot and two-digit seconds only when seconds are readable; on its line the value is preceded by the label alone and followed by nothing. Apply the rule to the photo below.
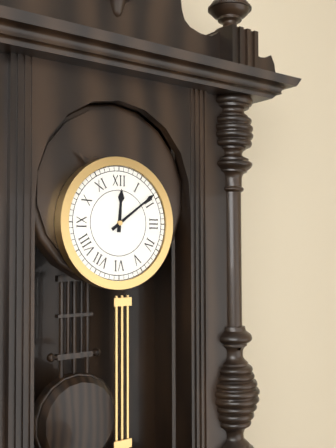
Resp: 12.09
